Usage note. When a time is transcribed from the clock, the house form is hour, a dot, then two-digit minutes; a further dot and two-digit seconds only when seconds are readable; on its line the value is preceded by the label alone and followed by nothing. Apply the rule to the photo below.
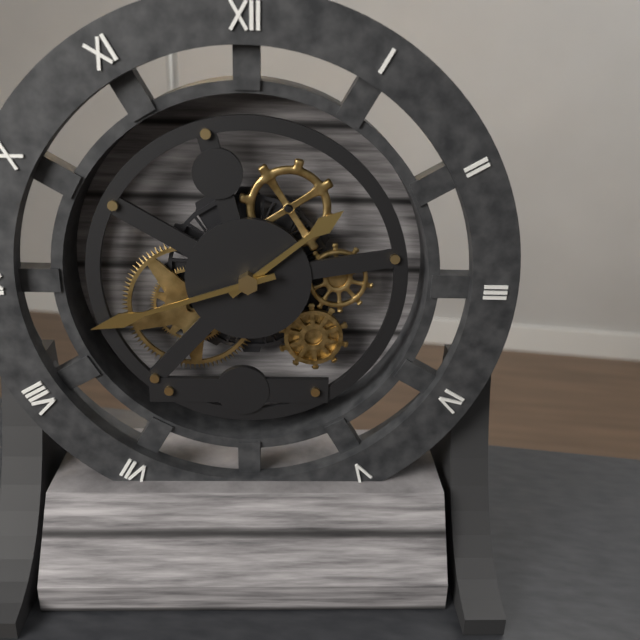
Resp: 1.42
